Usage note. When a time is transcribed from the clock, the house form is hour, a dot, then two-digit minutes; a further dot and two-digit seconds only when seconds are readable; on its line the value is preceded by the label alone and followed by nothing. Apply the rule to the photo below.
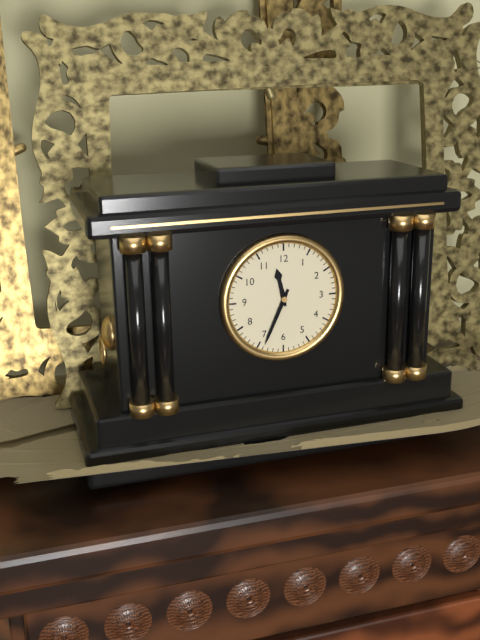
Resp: 11.34
